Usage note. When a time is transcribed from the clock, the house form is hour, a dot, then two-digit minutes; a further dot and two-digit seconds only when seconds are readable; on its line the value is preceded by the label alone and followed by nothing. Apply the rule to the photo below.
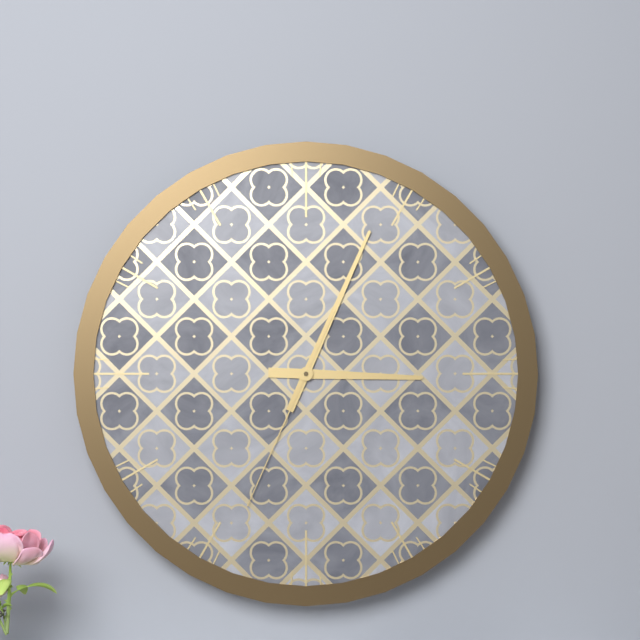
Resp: 3.04.34
